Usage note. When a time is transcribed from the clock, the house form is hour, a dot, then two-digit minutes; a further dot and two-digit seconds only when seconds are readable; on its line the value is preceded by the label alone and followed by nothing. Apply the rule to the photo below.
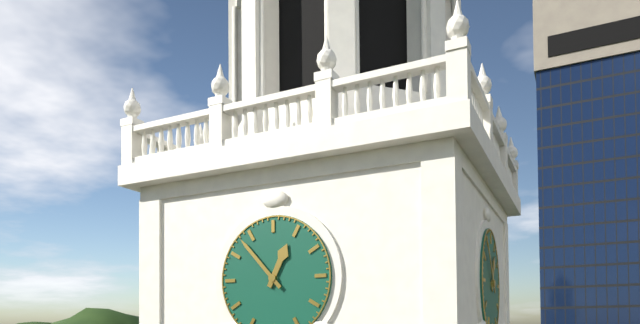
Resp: 12.53
